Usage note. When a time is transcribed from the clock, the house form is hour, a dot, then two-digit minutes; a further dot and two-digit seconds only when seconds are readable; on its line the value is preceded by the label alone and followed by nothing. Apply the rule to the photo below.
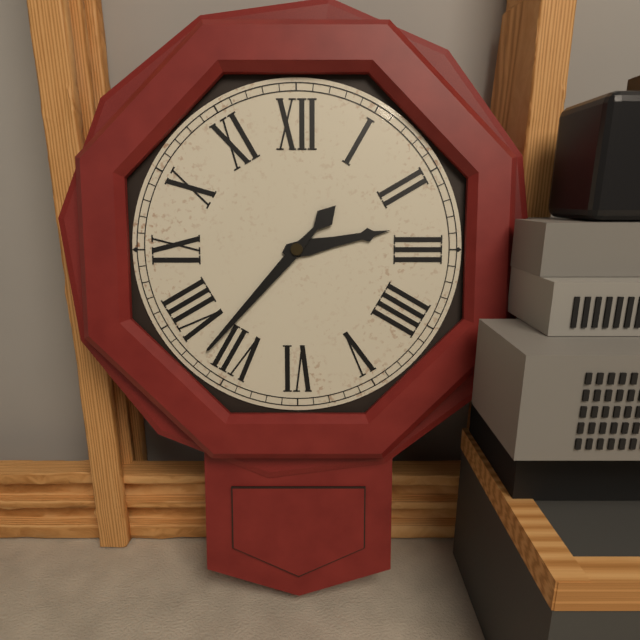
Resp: 2.37
